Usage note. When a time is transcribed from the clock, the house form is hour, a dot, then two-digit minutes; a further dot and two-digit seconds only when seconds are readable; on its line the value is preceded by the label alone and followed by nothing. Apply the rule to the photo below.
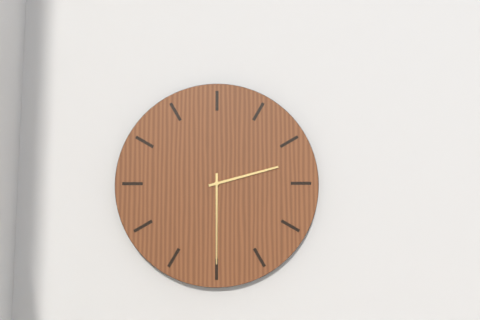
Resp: 2.30
